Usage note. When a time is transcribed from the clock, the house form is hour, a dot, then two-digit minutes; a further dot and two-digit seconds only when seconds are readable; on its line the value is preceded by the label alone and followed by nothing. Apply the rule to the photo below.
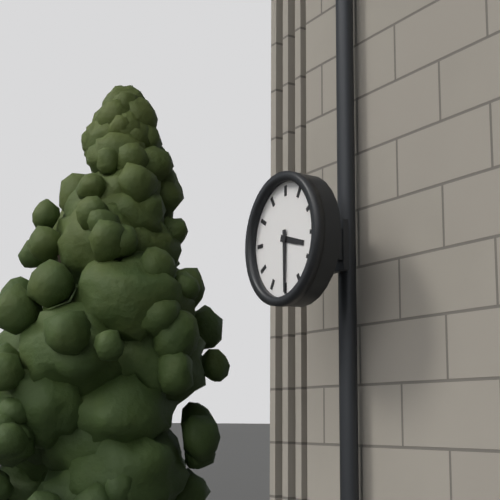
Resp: 3.30
